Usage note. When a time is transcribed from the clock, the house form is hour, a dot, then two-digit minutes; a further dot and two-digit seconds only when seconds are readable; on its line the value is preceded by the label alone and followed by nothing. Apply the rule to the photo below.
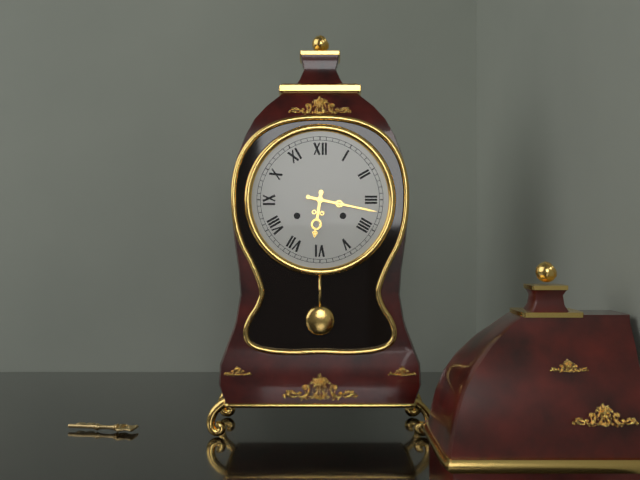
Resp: 6.17
